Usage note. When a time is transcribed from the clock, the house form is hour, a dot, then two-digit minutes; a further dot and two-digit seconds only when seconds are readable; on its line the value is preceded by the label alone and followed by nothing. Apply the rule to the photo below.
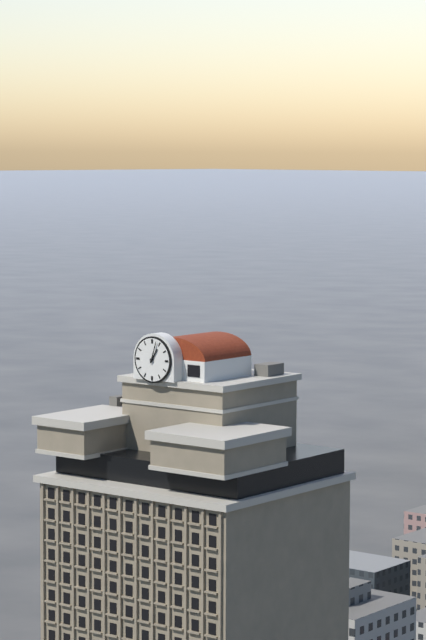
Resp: 1.03
